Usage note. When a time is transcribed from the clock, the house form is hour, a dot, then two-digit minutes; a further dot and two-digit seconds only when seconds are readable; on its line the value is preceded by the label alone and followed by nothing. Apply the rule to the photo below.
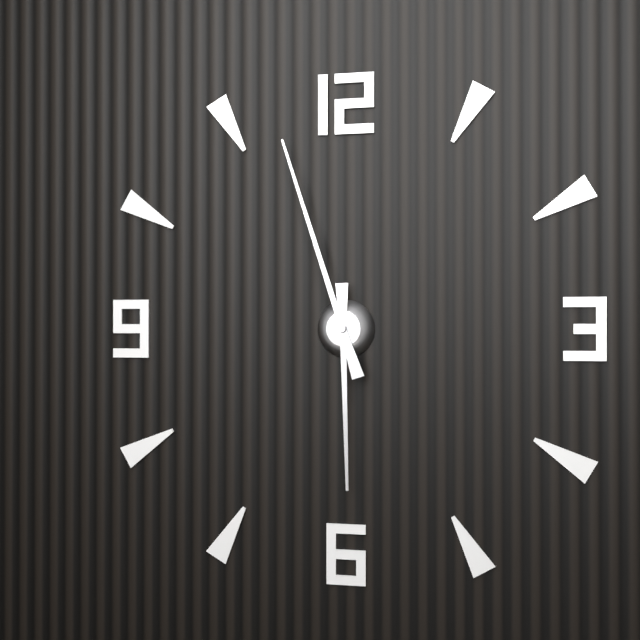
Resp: 5.57
